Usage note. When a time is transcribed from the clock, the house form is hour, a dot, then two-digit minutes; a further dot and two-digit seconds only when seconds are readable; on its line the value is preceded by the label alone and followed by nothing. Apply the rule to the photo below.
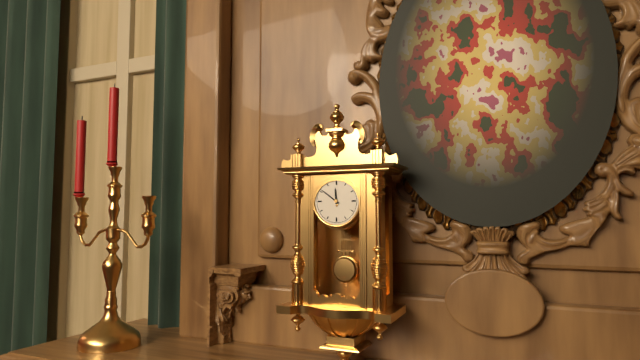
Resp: 11.51
